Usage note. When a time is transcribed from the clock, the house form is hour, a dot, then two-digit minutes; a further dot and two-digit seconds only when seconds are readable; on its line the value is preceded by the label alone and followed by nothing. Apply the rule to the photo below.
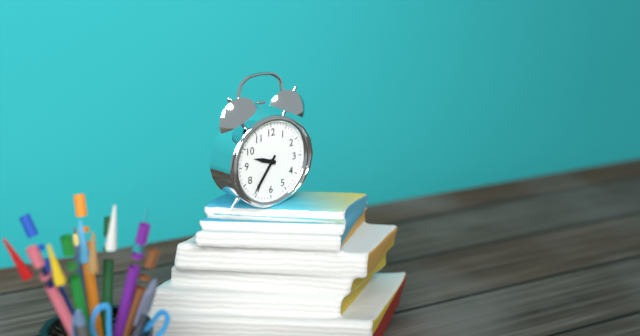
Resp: 9.36
